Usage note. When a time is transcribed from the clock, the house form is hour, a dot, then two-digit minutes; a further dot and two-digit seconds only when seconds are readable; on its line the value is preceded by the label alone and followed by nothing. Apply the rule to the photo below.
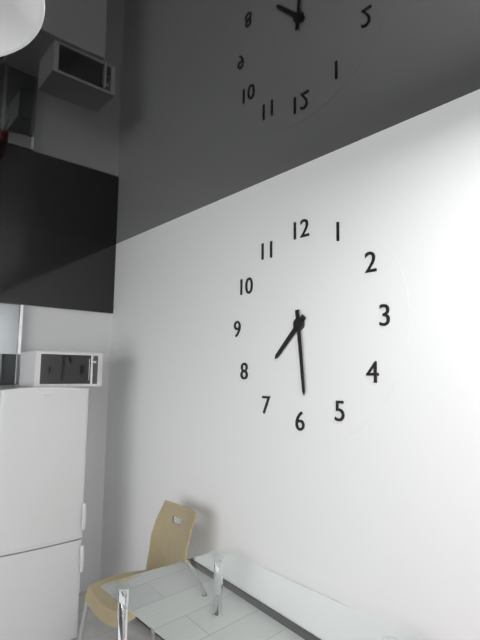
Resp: 7.29
